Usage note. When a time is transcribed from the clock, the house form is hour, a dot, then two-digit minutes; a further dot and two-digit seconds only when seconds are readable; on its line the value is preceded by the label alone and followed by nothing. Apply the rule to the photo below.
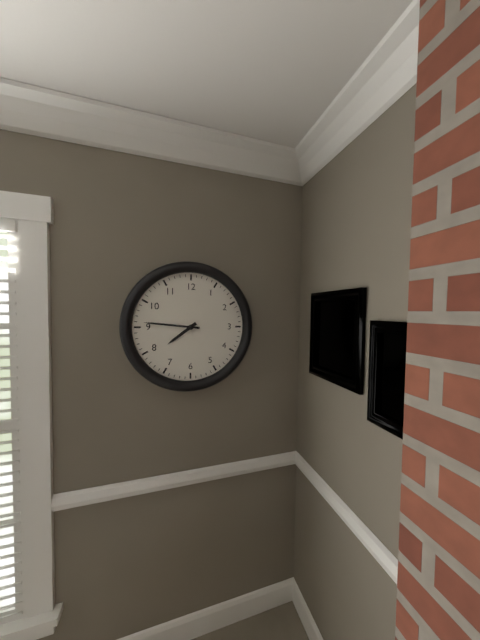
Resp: 7.46
